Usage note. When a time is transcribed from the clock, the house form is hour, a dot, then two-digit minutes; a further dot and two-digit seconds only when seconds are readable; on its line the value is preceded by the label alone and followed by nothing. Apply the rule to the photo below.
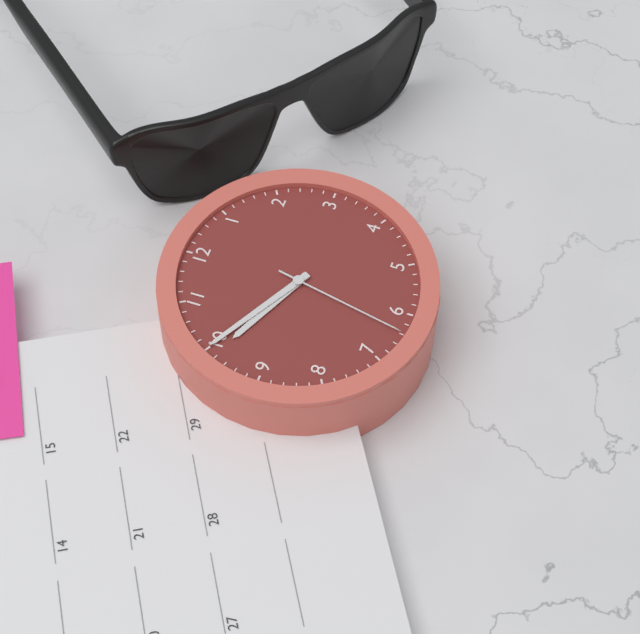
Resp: 9.50.32
